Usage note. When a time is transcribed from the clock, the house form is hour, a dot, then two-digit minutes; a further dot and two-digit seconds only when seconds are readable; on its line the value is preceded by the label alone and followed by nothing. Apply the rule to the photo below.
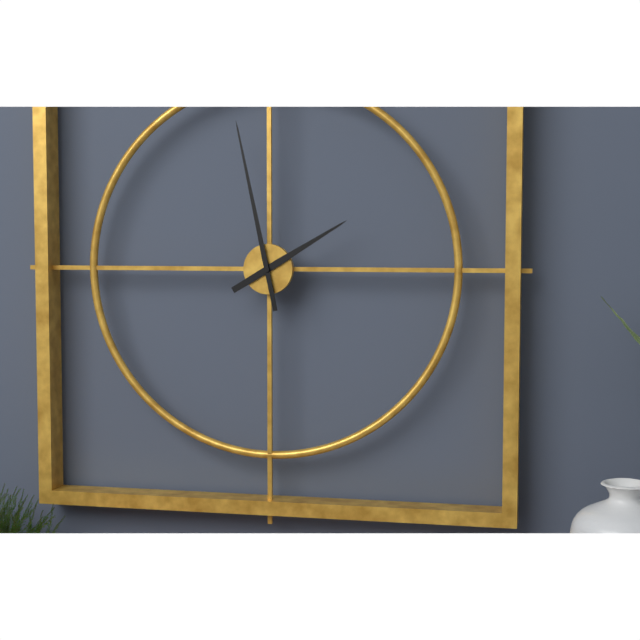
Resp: 1.58
